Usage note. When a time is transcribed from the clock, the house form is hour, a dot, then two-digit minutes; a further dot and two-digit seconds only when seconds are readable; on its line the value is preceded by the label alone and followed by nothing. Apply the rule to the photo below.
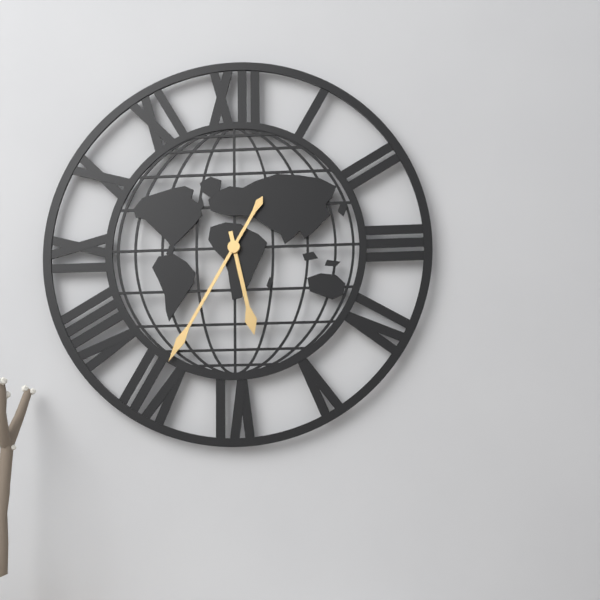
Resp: 5.35
